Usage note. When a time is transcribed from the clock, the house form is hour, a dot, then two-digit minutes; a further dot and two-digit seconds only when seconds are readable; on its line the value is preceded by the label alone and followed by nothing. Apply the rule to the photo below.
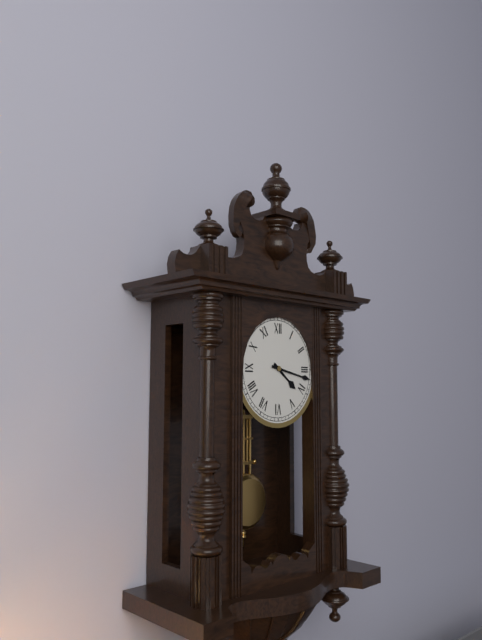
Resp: 4.17
